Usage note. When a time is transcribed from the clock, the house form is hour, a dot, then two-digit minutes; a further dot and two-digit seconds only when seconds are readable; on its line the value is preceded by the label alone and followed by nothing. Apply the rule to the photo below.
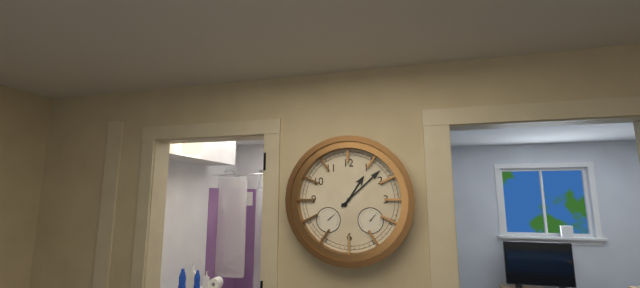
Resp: 1.08
